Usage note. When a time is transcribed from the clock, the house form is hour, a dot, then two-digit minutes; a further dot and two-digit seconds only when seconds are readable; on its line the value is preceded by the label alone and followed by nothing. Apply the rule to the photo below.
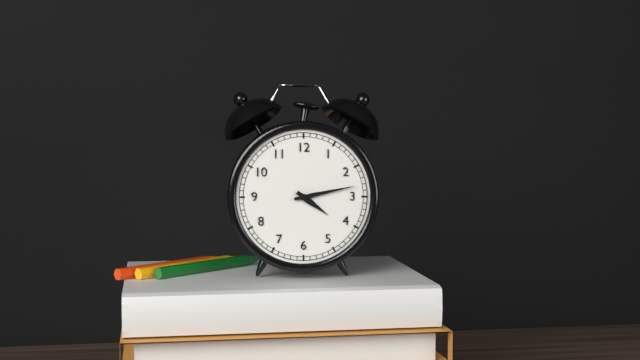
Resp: 4.13
